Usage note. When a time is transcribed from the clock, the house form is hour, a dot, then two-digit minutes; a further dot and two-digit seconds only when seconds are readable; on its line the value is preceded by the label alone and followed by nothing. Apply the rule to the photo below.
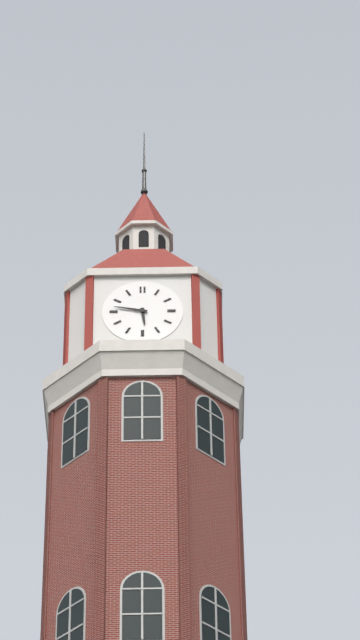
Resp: 5.47
